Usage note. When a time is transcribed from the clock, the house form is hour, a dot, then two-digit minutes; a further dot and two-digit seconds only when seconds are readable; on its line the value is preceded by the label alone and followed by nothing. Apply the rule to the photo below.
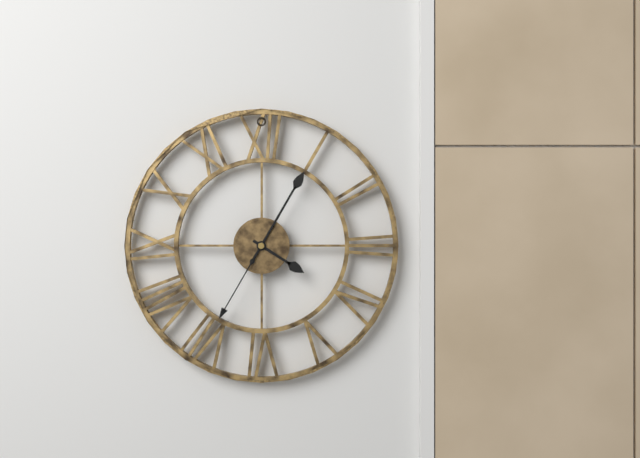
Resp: 4.05.35
